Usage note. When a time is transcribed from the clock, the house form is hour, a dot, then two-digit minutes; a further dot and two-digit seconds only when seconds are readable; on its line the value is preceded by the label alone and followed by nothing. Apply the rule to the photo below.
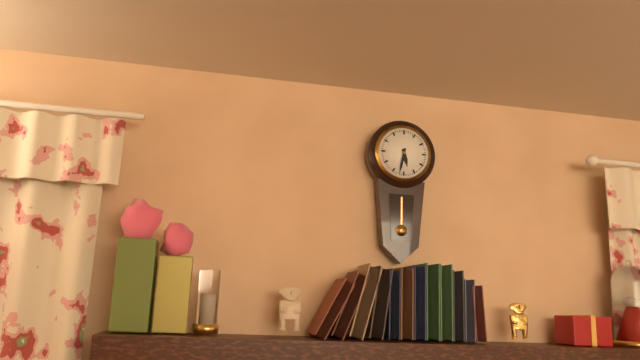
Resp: 5.32
